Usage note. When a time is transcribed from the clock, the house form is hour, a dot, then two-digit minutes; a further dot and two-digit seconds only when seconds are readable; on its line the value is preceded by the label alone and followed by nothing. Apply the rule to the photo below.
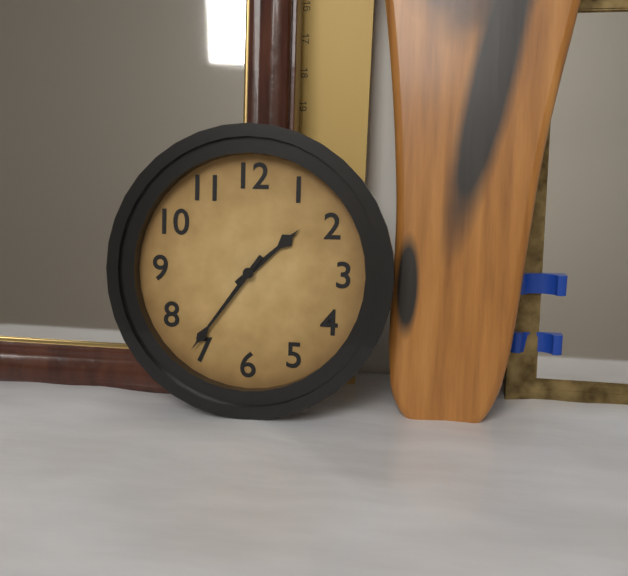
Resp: 1.36
